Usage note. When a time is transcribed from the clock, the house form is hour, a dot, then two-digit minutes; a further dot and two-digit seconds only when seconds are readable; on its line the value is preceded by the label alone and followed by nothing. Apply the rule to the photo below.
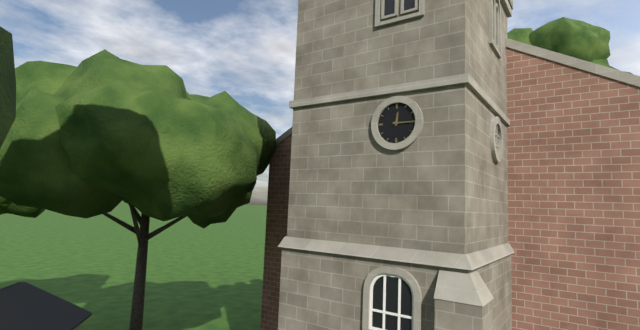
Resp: 12.15
